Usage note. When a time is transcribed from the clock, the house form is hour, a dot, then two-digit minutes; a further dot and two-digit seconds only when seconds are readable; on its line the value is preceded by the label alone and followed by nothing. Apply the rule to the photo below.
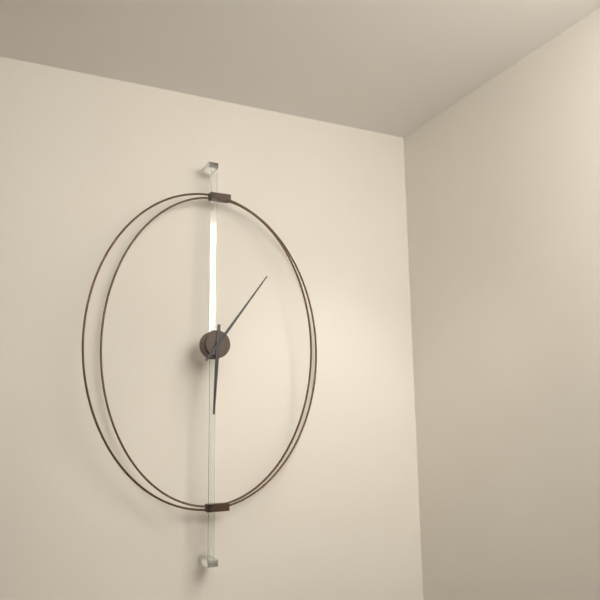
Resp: 6.06
